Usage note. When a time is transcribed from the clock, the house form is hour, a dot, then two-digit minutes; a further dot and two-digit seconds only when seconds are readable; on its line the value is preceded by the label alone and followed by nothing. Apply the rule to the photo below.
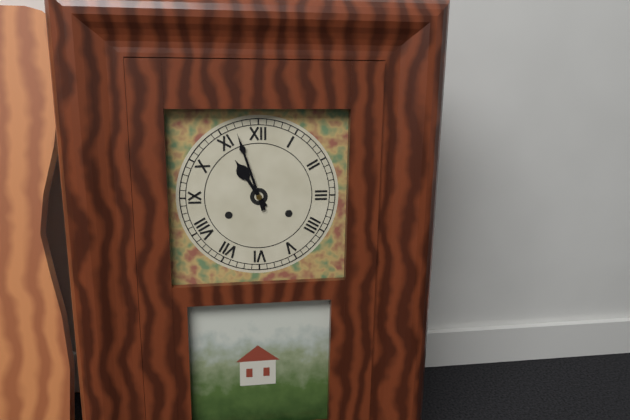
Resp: 10.57
